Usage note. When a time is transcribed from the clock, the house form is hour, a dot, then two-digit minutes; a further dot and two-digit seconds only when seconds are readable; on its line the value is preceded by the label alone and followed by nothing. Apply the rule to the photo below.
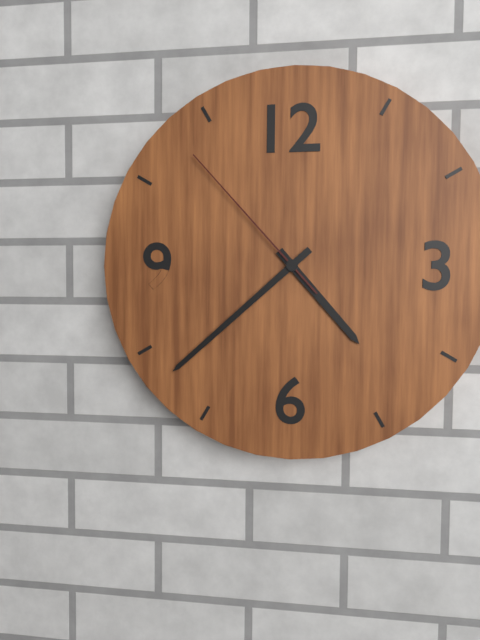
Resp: 4.38.53
